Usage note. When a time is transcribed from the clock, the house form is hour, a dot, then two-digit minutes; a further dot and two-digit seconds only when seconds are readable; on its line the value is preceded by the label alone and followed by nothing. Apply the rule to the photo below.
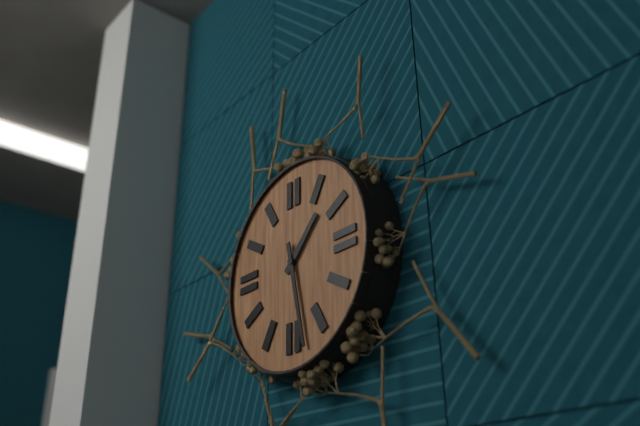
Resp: 1.28
